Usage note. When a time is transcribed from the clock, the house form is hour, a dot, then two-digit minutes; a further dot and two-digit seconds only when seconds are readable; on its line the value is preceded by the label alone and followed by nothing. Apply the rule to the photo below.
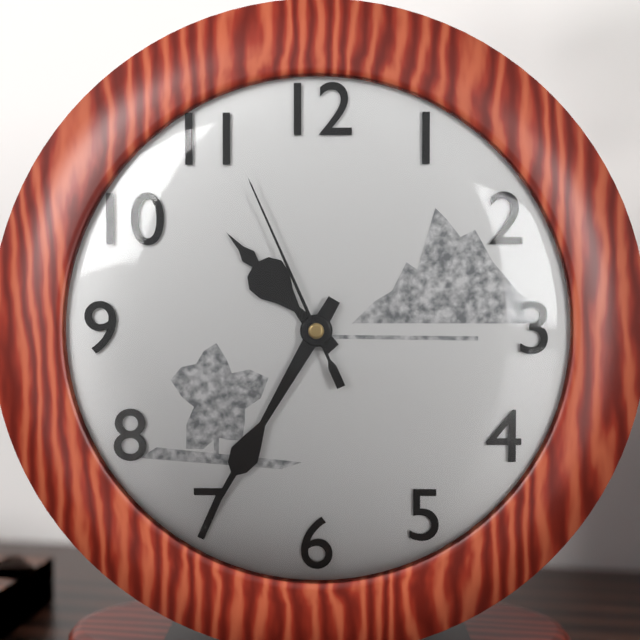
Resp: 10.35.56
